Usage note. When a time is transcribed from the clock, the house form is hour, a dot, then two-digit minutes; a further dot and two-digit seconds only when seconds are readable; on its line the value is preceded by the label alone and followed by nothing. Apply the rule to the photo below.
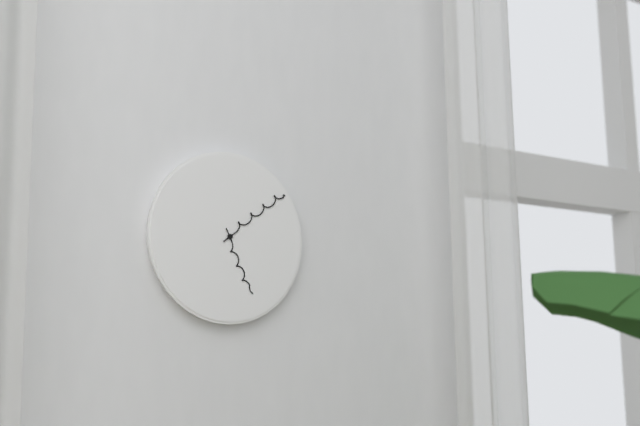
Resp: 5.09
